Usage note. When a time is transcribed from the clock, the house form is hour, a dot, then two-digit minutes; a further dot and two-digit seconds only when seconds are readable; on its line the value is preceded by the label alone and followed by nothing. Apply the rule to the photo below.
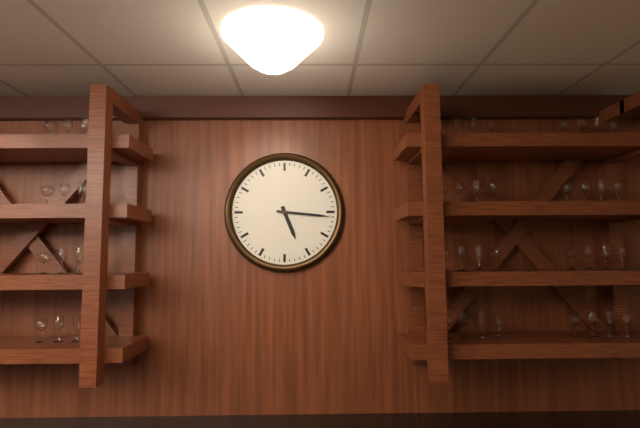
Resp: 5.16
